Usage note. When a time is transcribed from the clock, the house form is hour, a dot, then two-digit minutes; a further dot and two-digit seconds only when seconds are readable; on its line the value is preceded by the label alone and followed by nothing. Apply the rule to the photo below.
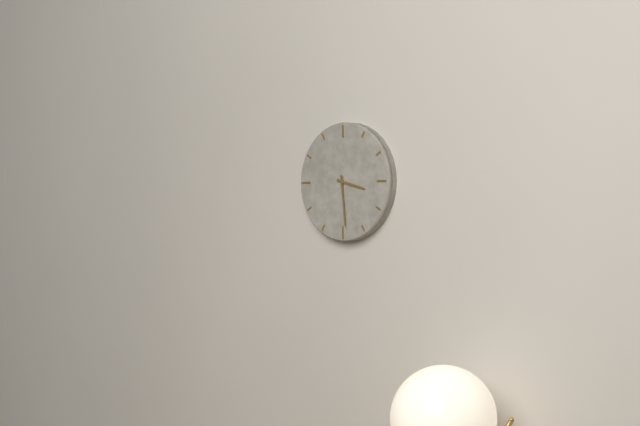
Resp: 3.29
